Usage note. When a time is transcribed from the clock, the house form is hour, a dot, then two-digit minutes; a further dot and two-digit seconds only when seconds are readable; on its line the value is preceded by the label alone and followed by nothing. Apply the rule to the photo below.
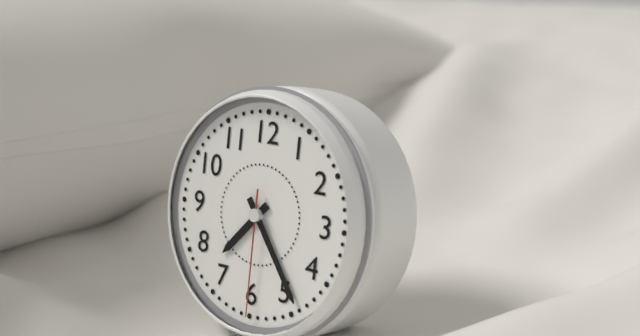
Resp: 7.24.30
